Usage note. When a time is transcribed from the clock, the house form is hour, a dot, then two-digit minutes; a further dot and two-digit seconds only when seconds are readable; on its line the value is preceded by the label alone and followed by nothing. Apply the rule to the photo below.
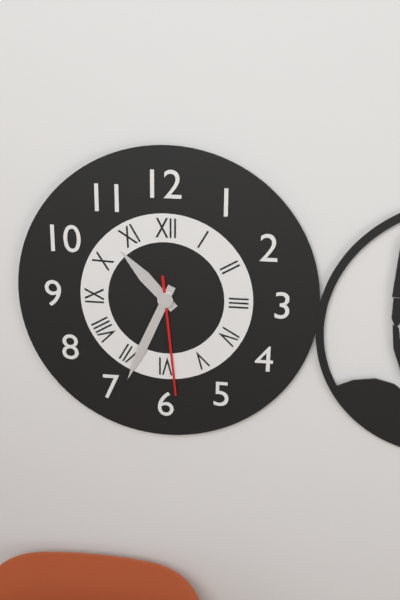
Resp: 10.34.29
